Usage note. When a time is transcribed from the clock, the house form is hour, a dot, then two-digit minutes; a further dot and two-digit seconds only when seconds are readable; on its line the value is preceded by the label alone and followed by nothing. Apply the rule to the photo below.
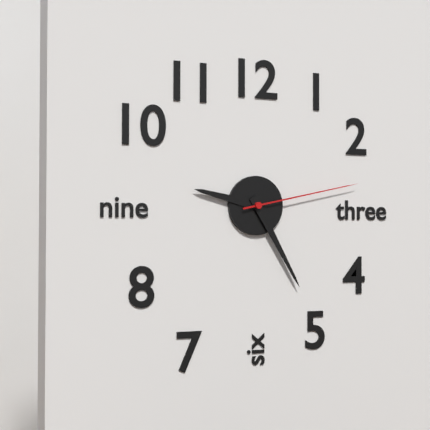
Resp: 9.25.13
